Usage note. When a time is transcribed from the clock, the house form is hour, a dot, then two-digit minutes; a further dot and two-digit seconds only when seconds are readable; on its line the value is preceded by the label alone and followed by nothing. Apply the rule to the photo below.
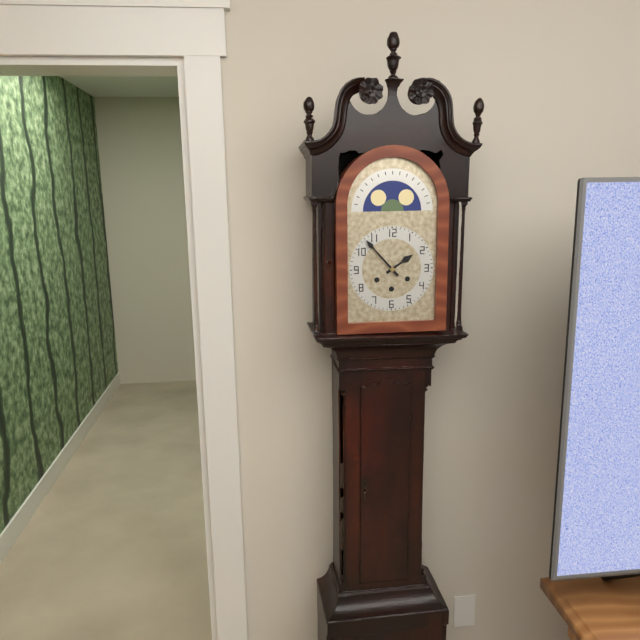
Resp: 1.53
